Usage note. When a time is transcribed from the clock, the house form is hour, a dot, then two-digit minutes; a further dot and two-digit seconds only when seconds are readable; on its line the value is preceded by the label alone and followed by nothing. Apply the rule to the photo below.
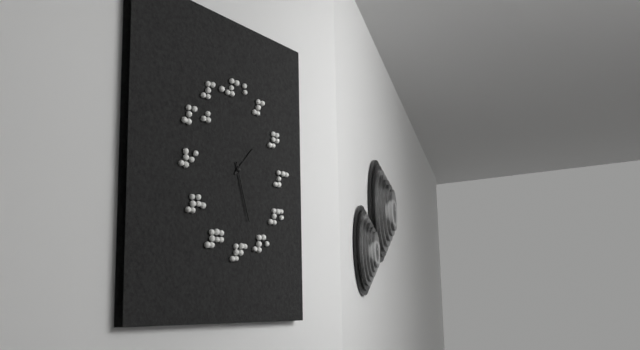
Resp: 1.27
